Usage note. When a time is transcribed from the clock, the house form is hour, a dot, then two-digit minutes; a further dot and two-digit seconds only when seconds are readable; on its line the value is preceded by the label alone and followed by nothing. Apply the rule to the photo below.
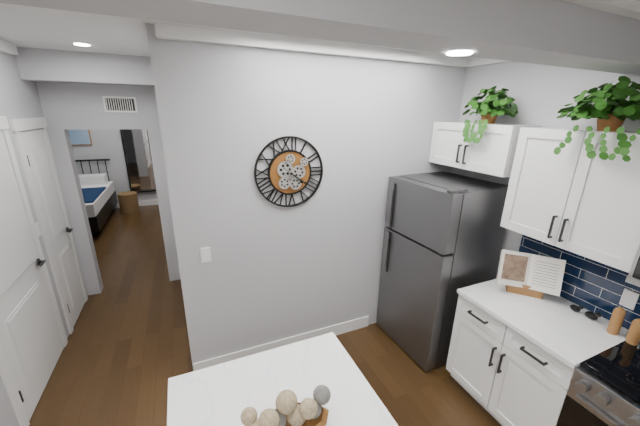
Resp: 4.21
